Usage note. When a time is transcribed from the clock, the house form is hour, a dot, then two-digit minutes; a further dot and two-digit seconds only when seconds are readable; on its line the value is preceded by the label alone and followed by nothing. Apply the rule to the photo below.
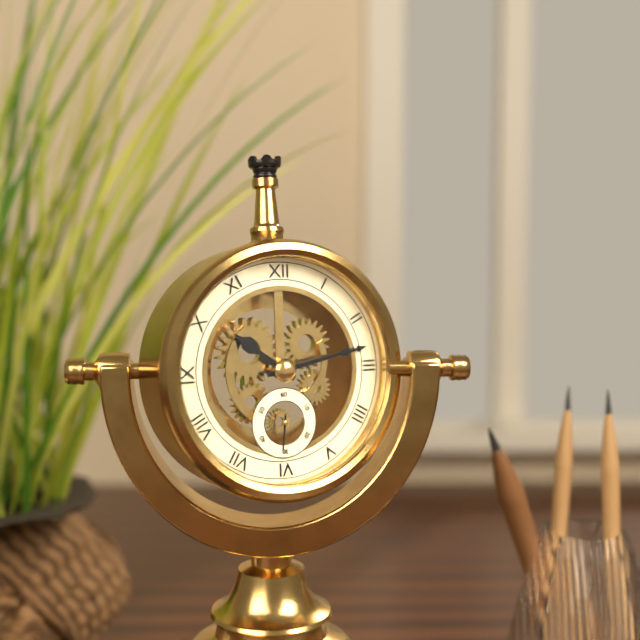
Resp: 10.13
